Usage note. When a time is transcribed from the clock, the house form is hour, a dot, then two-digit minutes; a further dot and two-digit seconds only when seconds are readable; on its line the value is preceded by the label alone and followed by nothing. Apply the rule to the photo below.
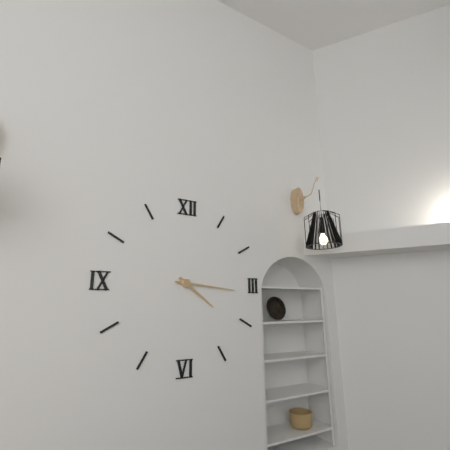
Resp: 4.16
